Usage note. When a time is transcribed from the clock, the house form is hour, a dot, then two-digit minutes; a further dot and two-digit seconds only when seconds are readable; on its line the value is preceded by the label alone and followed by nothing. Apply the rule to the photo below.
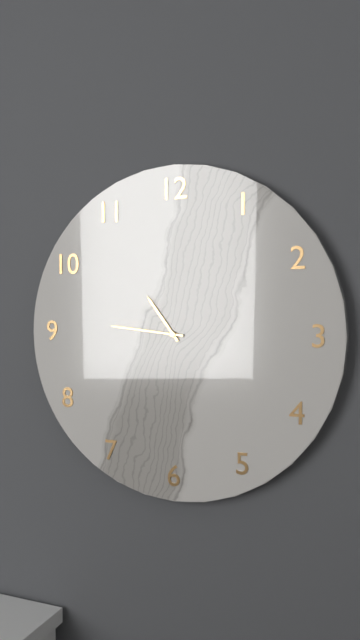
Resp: 10.46
